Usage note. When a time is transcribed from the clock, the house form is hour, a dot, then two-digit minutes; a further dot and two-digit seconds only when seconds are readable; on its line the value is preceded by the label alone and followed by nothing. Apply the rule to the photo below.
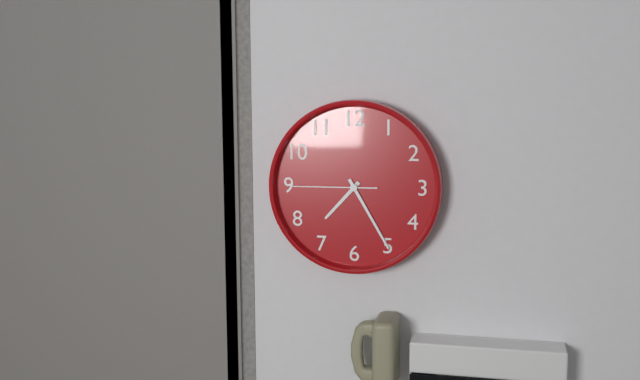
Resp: 7.25.45
